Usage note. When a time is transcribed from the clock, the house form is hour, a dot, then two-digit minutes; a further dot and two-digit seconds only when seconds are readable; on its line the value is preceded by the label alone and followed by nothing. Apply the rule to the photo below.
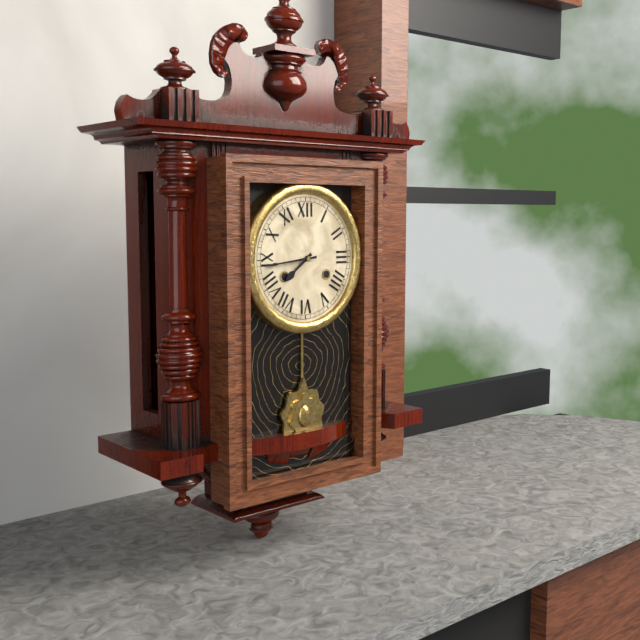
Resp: 7.44
